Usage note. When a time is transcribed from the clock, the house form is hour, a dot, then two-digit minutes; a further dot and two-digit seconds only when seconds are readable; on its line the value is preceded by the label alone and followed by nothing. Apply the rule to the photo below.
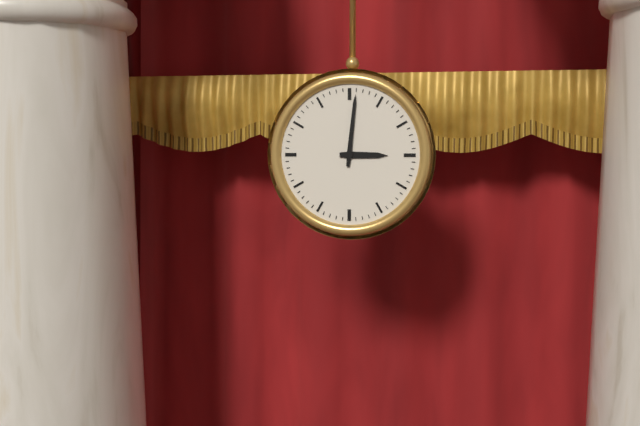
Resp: 3.01
